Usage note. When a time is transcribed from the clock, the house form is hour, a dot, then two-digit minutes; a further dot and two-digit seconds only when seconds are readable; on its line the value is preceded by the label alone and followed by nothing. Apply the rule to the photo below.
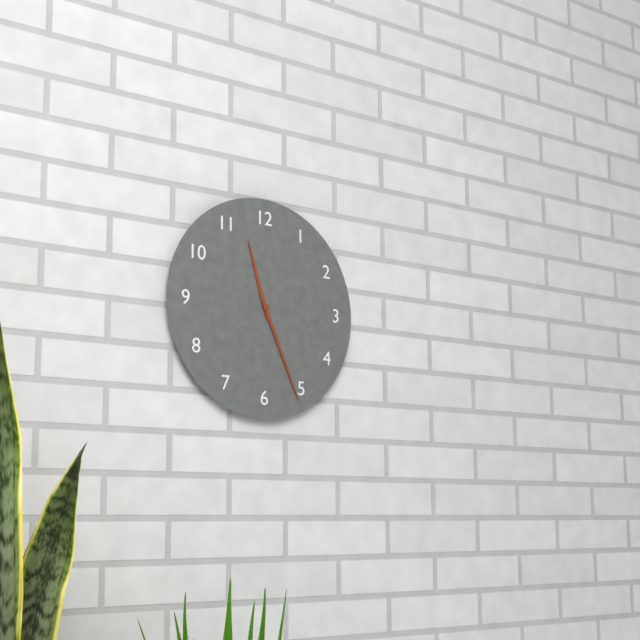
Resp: 11.26
